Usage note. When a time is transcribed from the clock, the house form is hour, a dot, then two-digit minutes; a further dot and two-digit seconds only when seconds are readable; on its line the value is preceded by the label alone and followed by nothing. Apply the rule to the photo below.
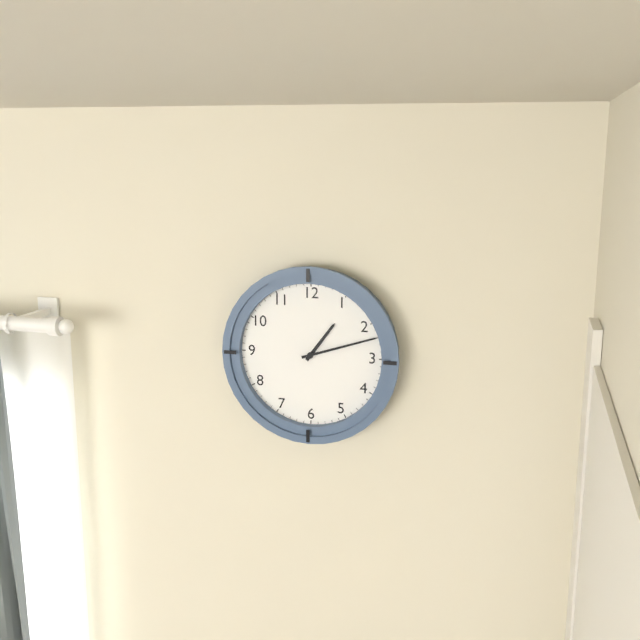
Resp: 1.12
